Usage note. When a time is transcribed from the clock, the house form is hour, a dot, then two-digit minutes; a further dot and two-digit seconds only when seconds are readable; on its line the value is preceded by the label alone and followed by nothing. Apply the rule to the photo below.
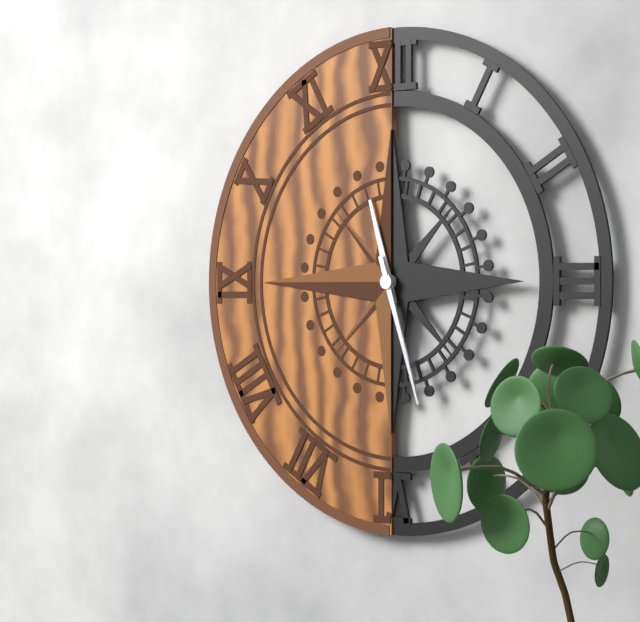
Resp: 11.27
